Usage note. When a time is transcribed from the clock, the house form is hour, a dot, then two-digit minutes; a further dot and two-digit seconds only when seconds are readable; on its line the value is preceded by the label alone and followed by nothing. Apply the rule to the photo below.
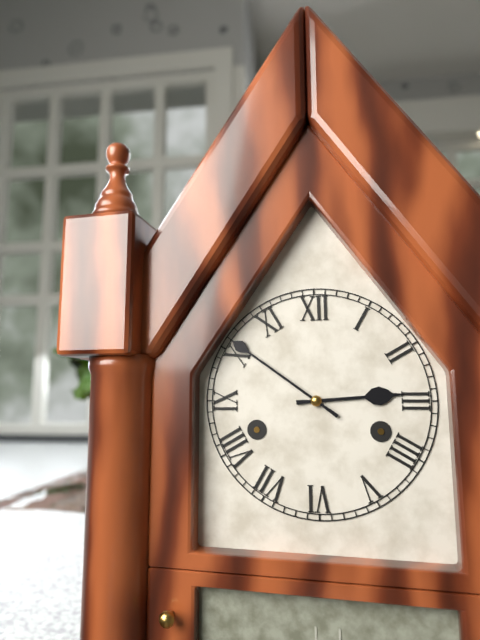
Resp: 2.51
